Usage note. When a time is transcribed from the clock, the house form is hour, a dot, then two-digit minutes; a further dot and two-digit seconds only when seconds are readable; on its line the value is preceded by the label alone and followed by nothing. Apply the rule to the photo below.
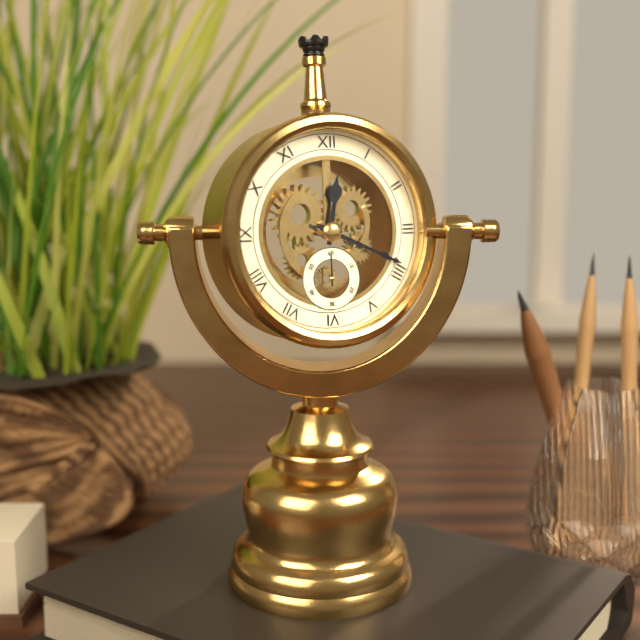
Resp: 12.19
